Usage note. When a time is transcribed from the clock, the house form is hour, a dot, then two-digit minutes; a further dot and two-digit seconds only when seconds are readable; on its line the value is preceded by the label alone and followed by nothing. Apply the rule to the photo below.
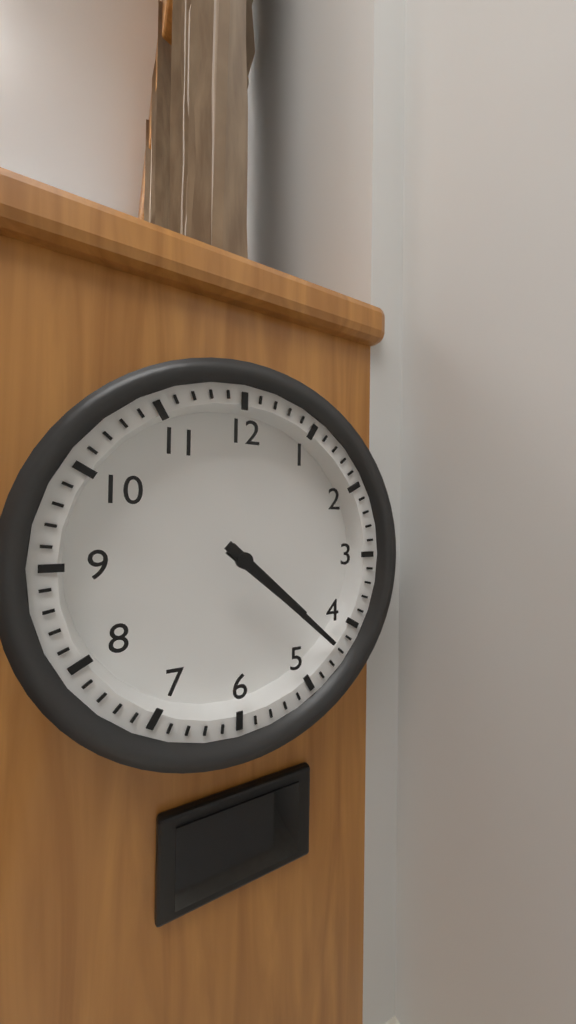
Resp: 4.22
